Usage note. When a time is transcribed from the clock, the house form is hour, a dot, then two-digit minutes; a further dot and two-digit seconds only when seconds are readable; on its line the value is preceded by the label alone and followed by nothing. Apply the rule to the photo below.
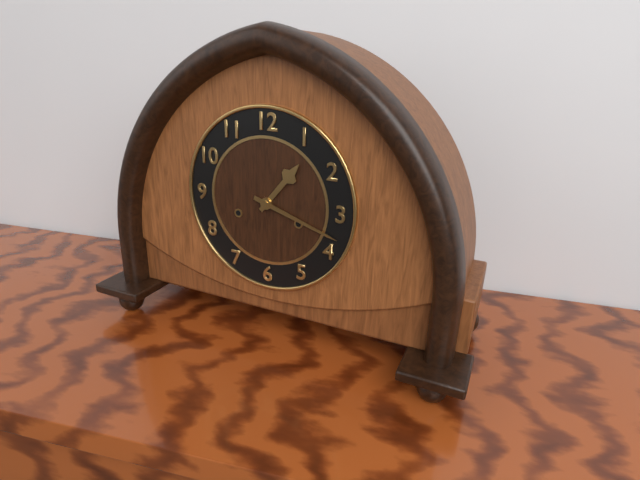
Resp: 1.18
